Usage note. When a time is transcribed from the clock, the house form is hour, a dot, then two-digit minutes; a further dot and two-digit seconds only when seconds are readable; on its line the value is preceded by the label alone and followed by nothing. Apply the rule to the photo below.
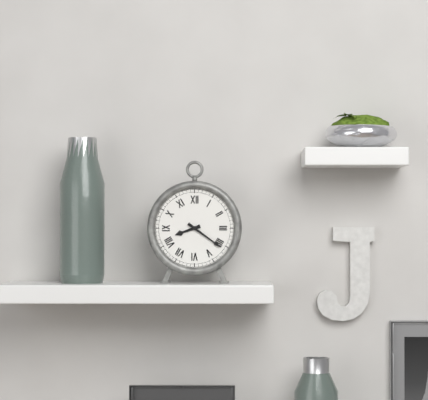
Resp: 8.21
